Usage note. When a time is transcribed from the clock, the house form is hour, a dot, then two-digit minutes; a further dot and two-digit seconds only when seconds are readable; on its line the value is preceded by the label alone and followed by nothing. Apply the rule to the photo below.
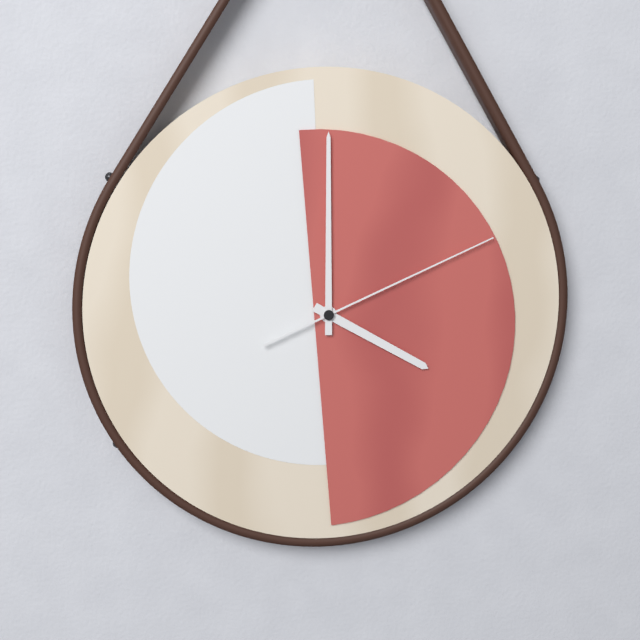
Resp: 4.00.11
